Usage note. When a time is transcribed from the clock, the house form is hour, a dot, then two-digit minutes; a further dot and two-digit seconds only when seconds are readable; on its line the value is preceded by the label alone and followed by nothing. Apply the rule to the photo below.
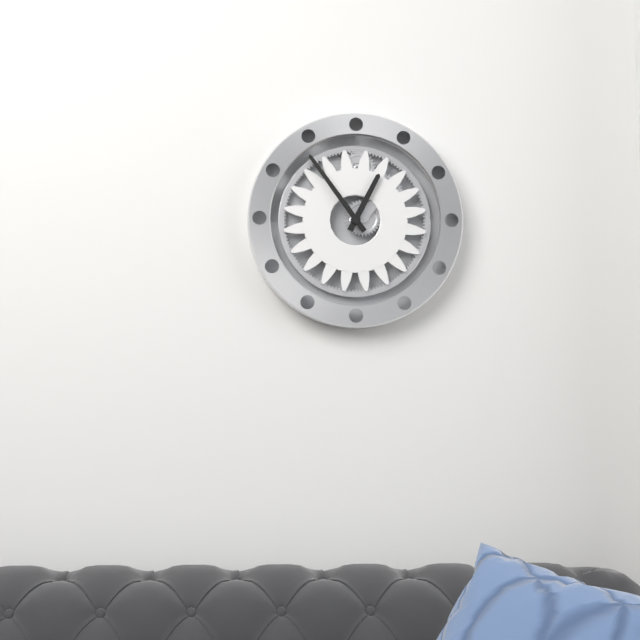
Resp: 12.54
